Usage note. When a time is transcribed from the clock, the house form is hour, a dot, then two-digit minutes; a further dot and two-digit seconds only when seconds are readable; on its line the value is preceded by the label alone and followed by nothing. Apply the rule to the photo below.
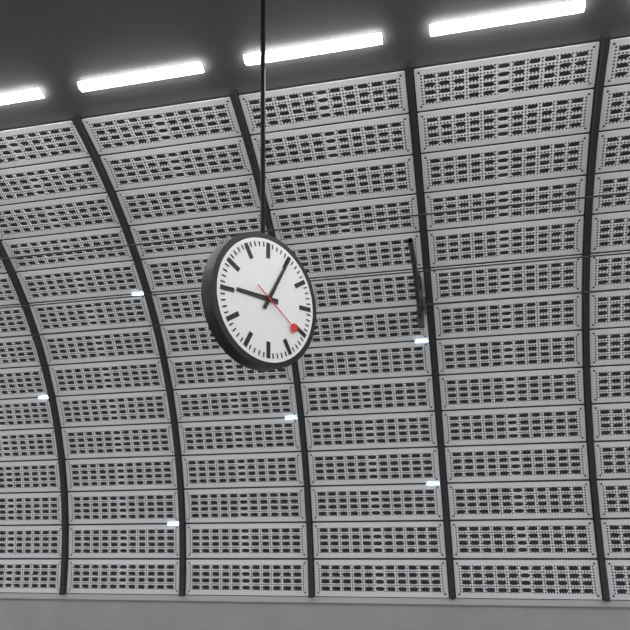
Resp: 9.05.21
